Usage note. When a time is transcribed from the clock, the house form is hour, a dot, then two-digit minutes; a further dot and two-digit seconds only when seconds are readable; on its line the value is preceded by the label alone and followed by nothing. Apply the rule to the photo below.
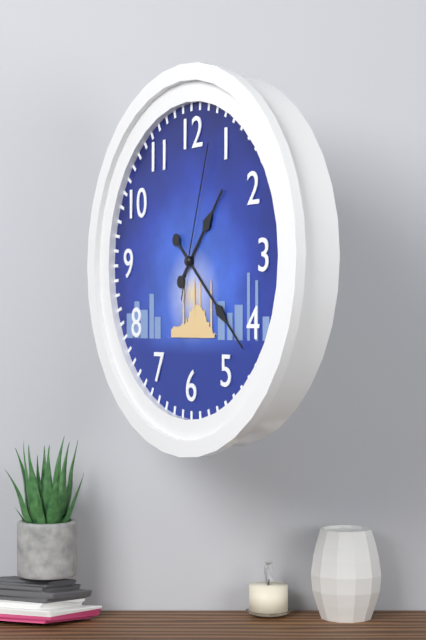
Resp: 1.22.03
